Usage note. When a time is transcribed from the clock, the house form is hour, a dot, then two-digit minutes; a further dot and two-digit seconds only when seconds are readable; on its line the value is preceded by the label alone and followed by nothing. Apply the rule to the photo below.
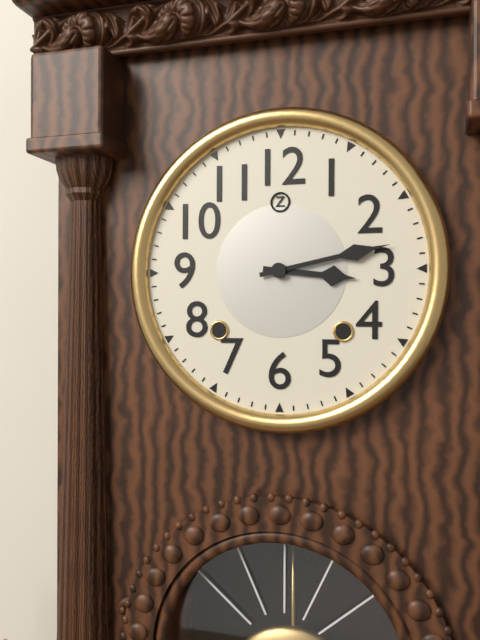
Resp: 3.13
